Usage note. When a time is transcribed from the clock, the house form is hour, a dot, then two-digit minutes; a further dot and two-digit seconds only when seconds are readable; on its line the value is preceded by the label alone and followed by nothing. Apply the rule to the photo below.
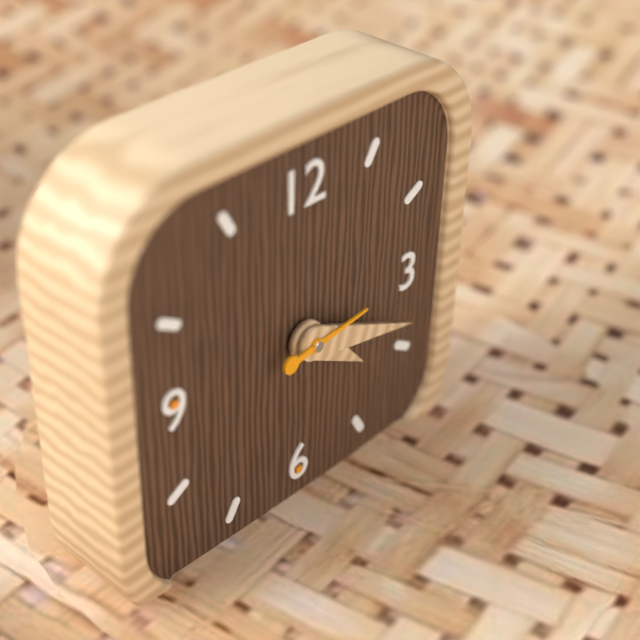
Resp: 4.18.14
